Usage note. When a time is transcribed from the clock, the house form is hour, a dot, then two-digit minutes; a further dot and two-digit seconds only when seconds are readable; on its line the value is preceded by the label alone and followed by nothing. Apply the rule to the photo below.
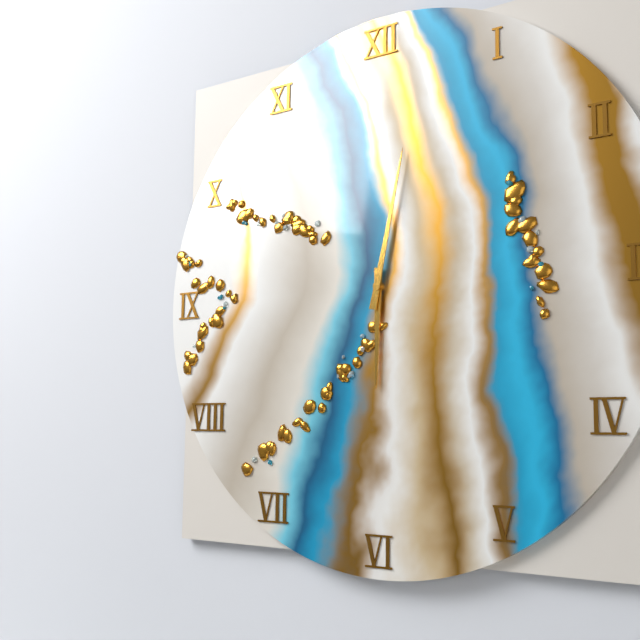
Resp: 6.02
